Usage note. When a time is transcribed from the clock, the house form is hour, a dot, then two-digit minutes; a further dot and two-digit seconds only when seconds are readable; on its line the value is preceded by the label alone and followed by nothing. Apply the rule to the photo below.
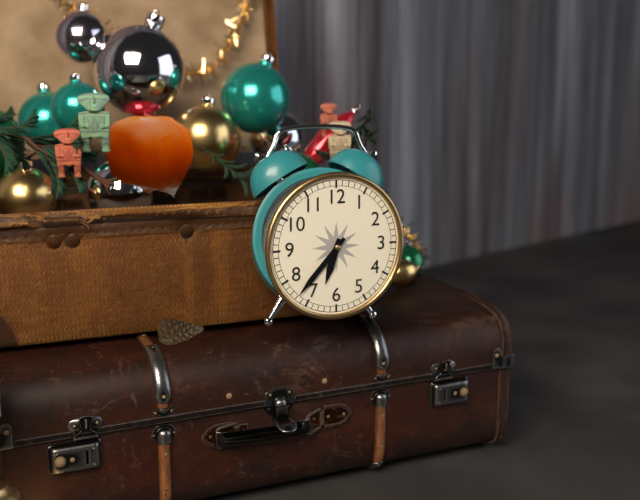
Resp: 6.37
